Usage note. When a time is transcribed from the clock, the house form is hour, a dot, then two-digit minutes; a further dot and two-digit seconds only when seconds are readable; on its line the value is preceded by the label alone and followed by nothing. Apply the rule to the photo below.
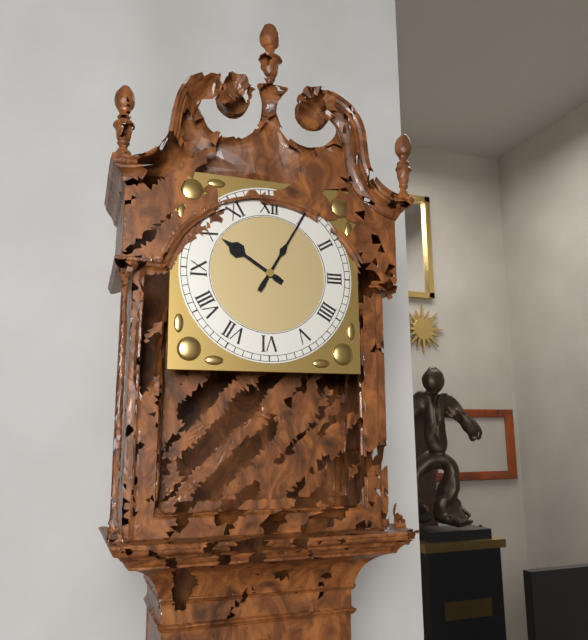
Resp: 10.05
